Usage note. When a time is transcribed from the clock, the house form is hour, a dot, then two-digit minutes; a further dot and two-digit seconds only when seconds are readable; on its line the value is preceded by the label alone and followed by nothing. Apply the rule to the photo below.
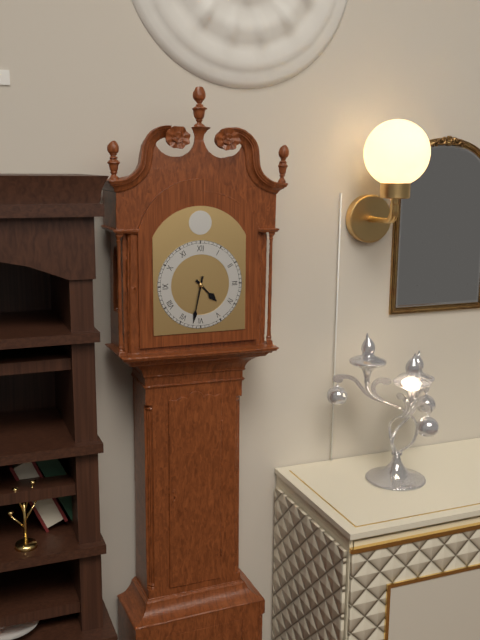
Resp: 4.32
